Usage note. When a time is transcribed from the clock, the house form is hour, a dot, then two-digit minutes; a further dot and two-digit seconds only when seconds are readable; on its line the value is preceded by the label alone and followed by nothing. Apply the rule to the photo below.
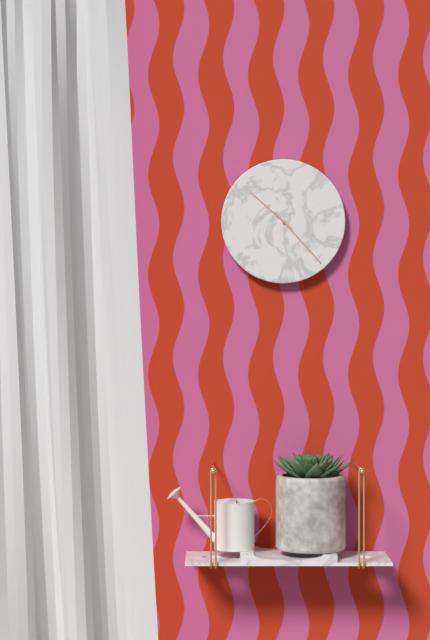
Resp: 10.23
